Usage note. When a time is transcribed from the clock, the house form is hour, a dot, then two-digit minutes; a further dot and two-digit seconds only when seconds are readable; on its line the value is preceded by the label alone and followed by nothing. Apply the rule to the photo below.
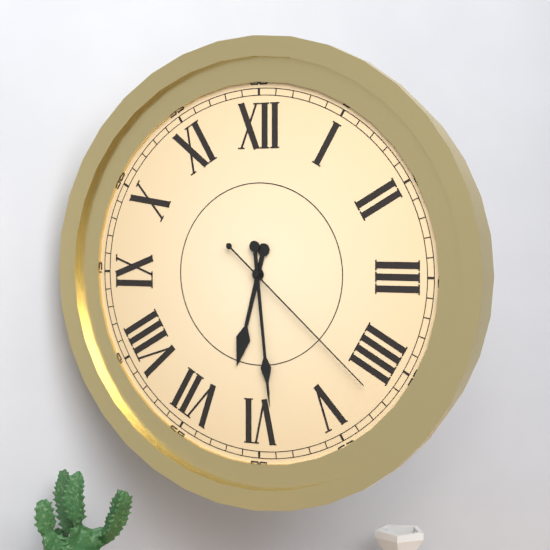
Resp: 6.29.22
